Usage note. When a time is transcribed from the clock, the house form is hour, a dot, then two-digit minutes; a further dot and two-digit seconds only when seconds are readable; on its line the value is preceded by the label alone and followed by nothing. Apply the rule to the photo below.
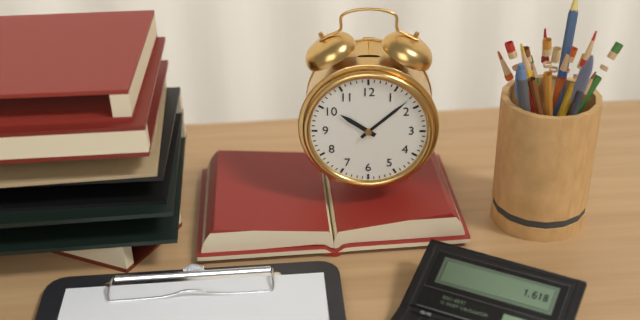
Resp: 10.08
